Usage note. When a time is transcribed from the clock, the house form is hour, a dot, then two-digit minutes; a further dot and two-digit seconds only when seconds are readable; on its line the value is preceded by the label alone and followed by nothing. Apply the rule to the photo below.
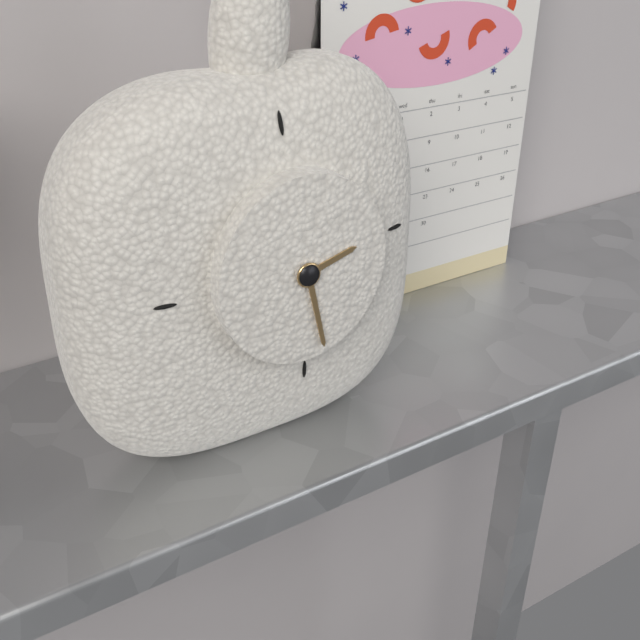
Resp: 2.28
